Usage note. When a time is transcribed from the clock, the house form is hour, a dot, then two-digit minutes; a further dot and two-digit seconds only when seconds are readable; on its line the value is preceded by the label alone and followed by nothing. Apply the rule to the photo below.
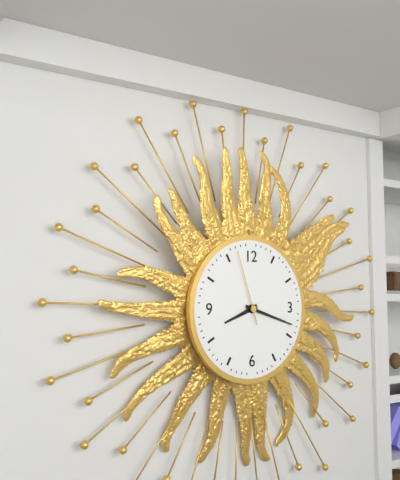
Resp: 8.18.57
